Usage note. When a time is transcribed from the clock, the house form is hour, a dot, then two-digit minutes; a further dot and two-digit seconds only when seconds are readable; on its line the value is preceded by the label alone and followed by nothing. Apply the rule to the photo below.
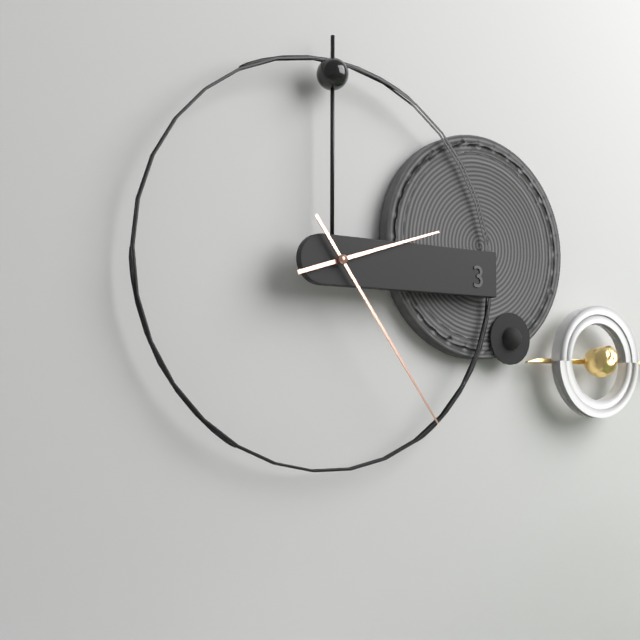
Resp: 2.24
